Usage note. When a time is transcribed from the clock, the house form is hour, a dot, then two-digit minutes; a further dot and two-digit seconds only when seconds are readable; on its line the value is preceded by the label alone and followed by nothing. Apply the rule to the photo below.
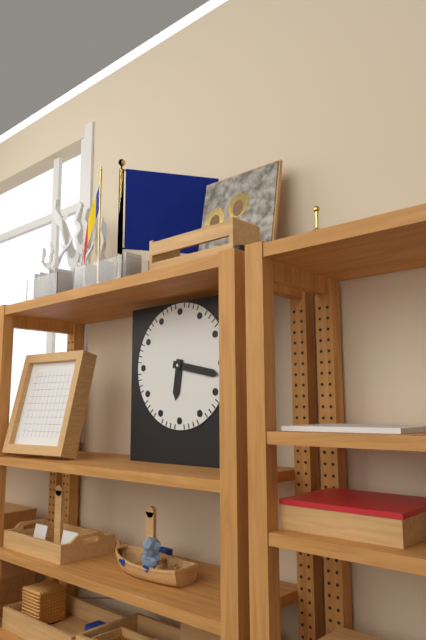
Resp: 6.17
